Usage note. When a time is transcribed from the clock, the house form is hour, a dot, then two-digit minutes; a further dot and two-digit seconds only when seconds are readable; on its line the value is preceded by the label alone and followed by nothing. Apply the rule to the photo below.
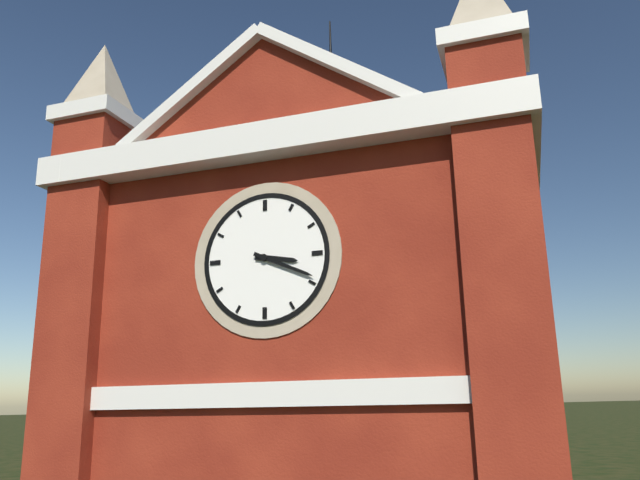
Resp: 3.19
